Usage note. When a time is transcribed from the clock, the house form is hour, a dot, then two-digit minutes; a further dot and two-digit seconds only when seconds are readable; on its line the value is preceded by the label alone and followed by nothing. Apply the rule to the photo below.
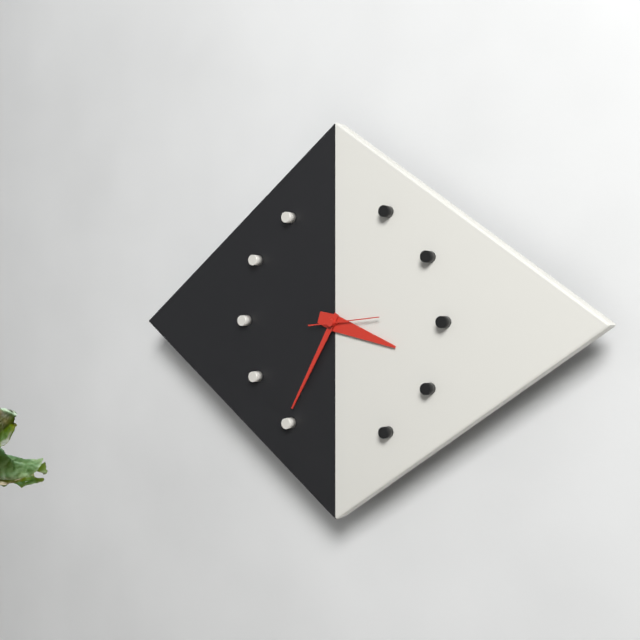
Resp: 3.35.14
